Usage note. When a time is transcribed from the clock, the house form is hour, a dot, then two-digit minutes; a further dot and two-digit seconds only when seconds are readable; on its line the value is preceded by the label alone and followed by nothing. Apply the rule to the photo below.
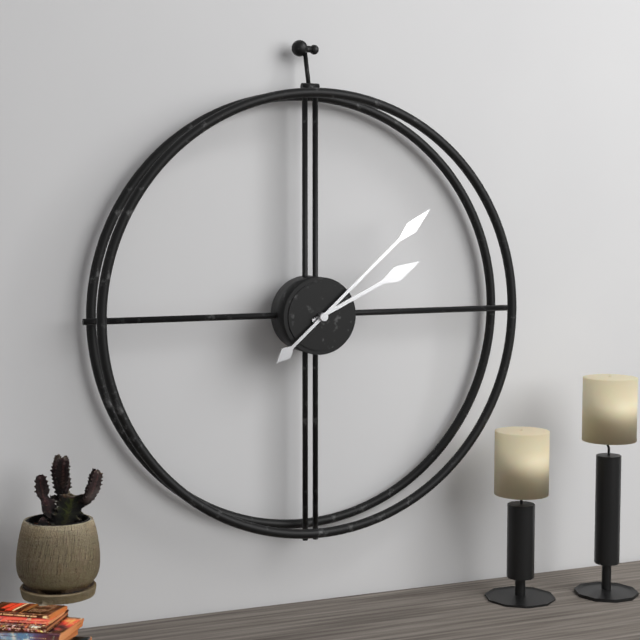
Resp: 2.08
